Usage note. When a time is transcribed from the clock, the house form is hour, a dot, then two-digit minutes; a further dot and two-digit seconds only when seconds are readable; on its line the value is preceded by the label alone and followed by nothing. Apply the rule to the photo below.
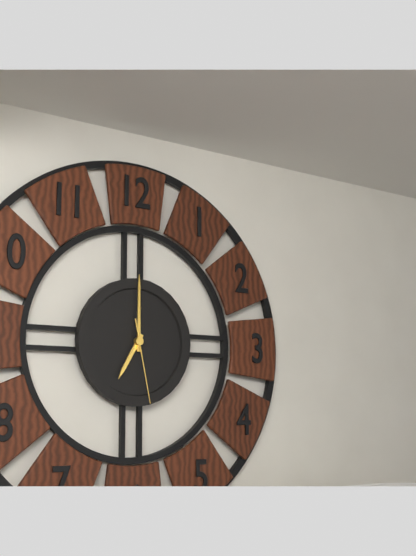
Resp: 7.00.28
